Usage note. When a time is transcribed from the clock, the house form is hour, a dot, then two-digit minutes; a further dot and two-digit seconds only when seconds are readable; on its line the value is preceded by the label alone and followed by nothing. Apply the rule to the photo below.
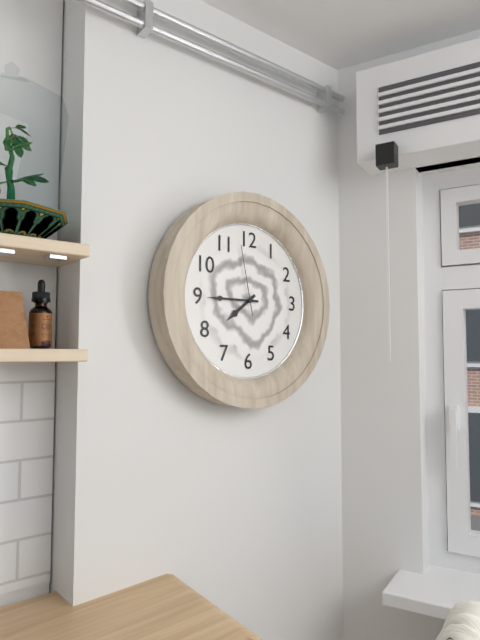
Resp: 7.45.58
